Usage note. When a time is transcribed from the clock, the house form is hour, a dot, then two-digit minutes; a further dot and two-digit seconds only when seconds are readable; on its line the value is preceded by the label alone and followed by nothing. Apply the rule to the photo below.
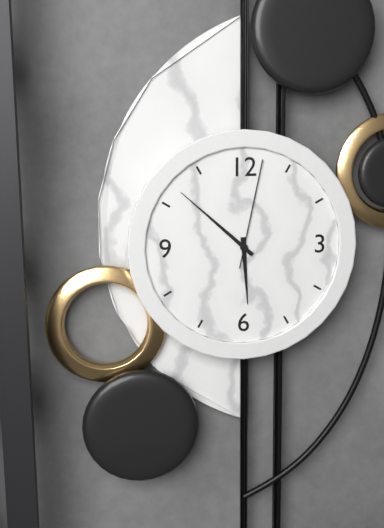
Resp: 5.52.02
